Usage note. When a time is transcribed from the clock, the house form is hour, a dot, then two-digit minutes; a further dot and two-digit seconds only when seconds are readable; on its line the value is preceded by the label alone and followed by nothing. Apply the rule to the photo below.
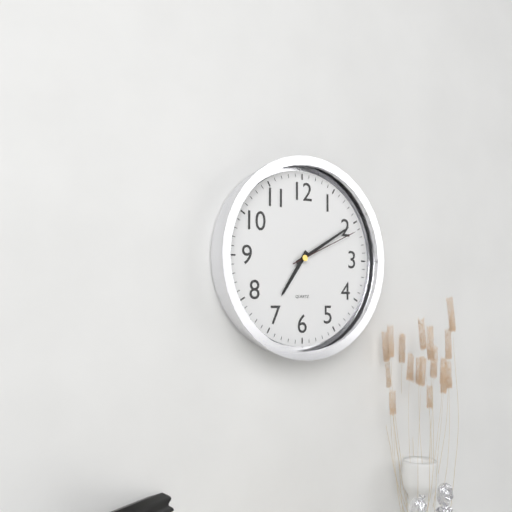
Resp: 7.10.11
